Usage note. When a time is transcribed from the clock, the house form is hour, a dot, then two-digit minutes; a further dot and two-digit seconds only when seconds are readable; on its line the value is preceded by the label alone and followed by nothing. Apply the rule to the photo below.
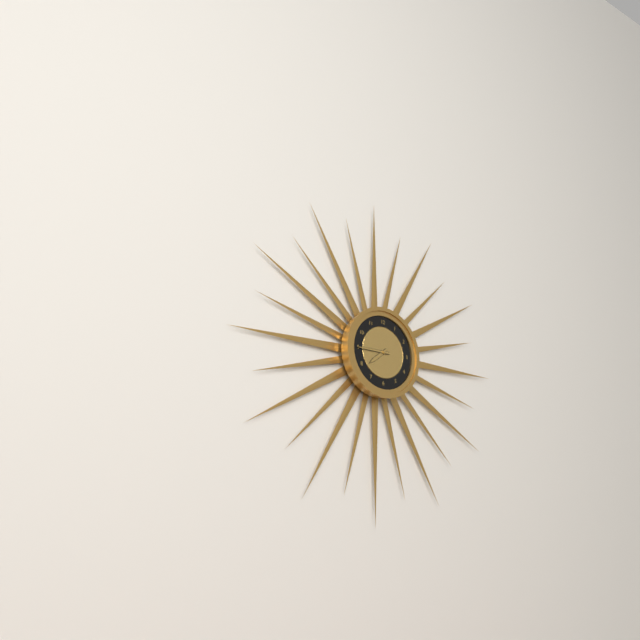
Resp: 7.45
